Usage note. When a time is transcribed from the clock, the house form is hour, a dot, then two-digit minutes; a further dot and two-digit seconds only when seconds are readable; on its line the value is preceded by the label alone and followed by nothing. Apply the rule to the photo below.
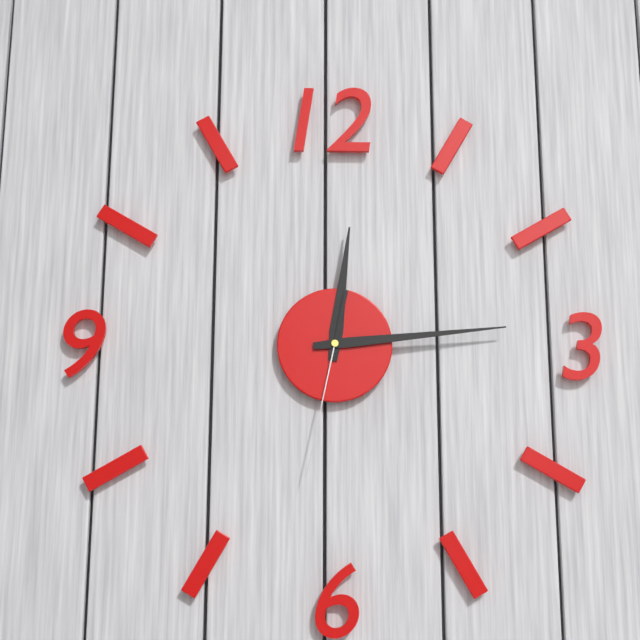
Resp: 12.14.32
